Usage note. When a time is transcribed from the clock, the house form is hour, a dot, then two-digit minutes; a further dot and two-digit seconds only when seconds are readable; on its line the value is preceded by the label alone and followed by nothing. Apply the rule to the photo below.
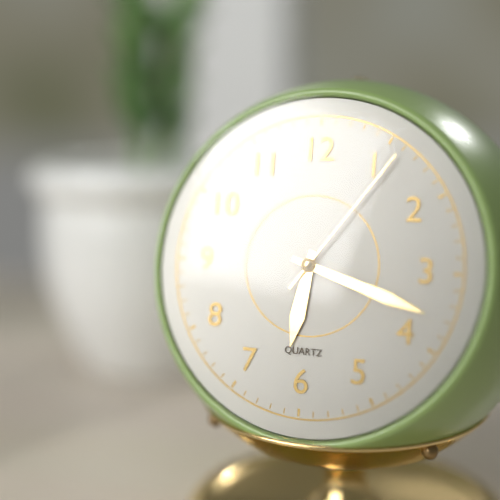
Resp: 6.18.06
